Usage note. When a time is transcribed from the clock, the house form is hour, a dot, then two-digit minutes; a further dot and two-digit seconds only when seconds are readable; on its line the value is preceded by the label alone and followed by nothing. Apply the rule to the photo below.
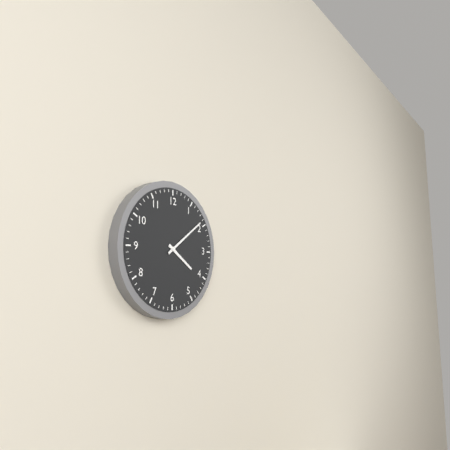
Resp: 4.09
